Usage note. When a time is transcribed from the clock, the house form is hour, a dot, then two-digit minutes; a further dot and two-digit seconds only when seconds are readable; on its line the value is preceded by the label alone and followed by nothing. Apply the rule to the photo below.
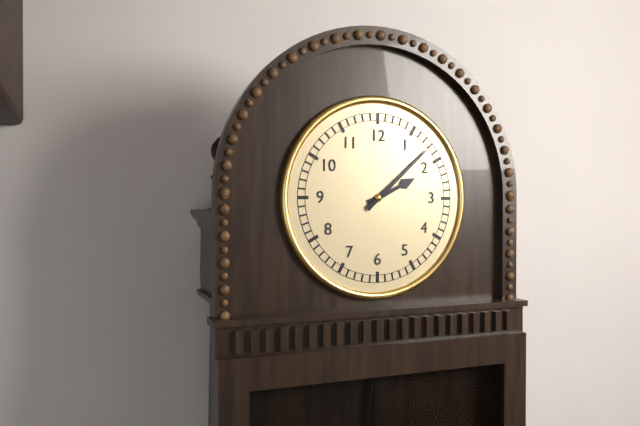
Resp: 2.08
